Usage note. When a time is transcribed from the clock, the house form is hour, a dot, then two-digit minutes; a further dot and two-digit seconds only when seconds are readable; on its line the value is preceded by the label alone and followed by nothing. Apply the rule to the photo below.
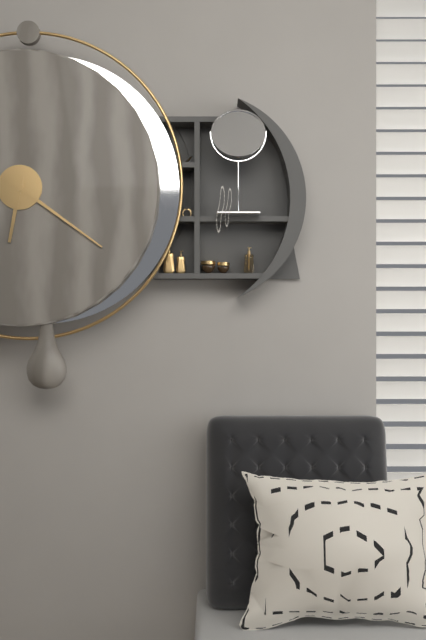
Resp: 6.21
